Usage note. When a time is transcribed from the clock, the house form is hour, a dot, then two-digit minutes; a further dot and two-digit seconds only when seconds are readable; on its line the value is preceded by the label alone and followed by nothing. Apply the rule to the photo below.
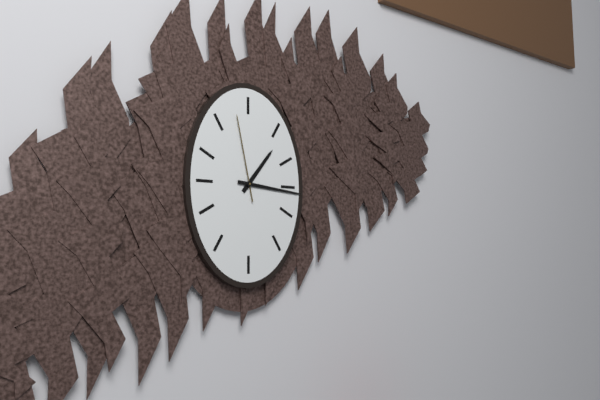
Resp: 1.16.58
